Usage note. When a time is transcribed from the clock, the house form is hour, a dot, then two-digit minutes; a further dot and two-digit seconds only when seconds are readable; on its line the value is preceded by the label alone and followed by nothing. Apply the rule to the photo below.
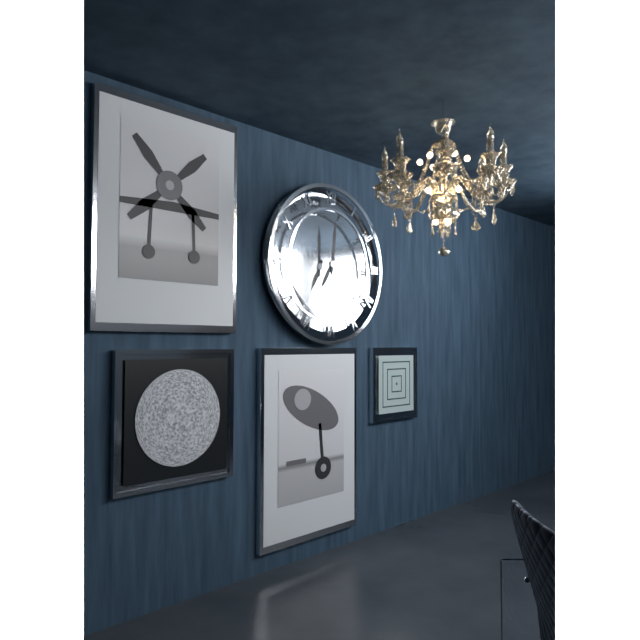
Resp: 7.01
